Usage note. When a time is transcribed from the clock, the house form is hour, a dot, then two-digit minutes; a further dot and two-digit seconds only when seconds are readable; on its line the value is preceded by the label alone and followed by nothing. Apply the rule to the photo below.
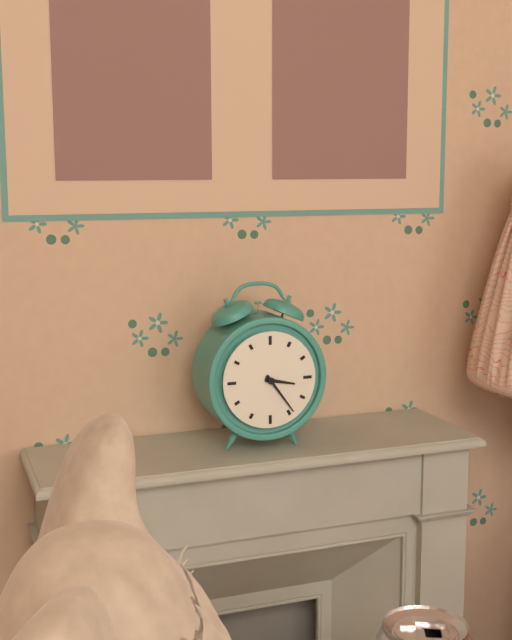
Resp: 3.24
